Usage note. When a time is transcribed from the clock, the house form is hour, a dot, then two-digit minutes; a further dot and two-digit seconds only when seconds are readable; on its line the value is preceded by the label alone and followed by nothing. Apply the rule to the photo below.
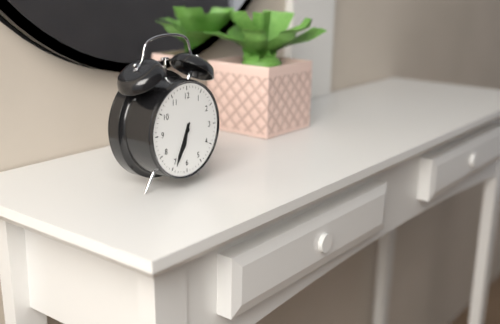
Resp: 6.34
